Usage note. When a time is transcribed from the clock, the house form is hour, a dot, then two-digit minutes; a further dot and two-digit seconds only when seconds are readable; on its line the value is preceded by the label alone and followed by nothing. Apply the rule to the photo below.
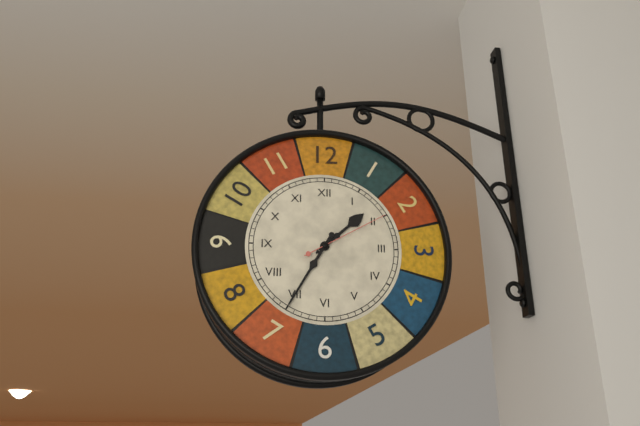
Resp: 1.35.10
